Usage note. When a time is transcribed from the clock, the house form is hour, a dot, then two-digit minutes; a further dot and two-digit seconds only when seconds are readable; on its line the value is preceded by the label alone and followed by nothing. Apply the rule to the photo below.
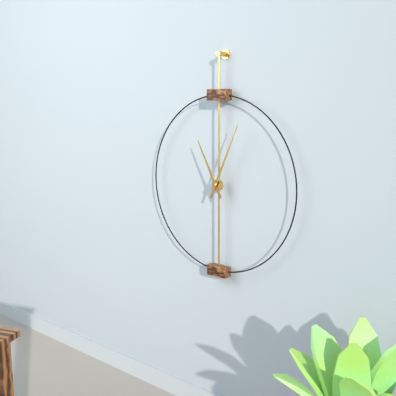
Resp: 11.04
